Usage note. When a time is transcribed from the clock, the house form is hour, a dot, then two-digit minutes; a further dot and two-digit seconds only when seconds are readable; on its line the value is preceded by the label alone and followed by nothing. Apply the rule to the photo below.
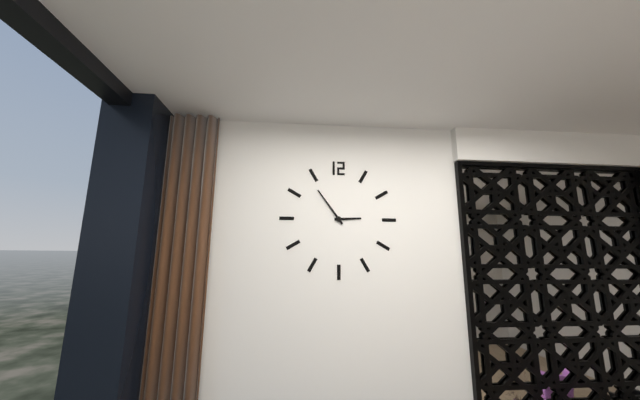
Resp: 2.54
